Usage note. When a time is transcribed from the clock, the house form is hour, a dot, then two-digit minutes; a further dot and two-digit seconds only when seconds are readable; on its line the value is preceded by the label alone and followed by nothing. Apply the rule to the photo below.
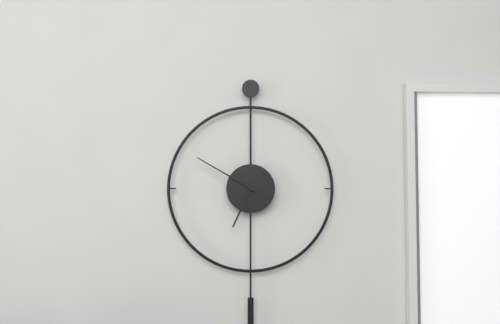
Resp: 6.50
